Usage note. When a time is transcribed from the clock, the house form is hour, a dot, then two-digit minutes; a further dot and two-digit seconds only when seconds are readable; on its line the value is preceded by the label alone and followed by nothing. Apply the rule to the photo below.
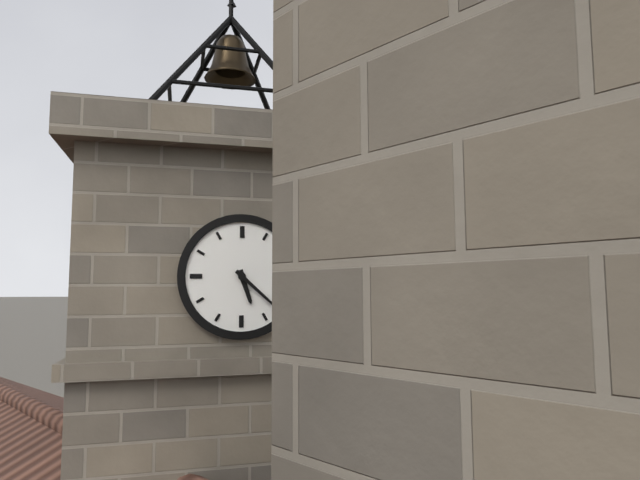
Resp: 5.22
